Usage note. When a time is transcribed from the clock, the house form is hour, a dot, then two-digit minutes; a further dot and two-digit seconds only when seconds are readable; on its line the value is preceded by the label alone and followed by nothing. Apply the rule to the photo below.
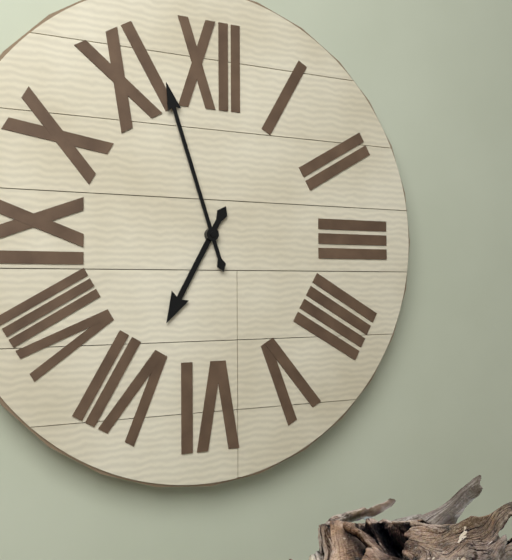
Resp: 6.57
